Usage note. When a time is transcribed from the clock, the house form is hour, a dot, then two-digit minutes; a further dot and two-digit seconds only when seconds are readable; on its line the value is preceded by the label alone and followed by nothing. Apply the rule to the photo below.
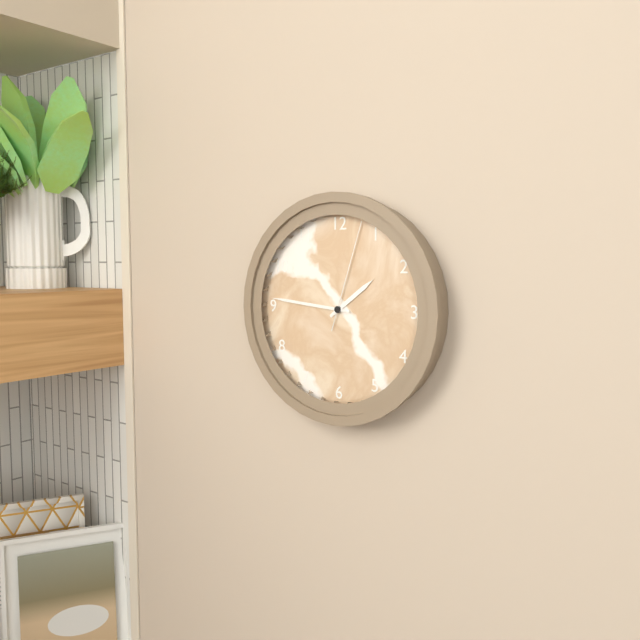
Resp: 1.46.03
